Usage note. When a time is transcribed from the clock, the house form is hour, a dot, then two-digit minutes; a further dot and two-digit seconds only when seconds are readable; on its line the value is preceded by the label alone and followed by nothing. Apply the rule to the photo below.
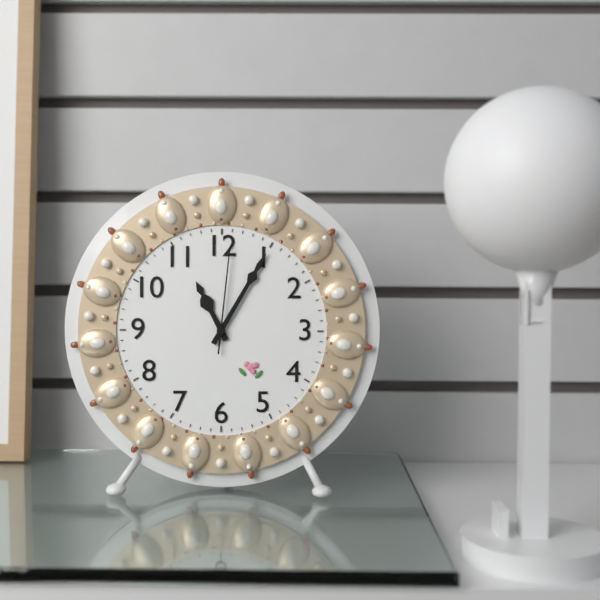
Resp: 11.05.01
